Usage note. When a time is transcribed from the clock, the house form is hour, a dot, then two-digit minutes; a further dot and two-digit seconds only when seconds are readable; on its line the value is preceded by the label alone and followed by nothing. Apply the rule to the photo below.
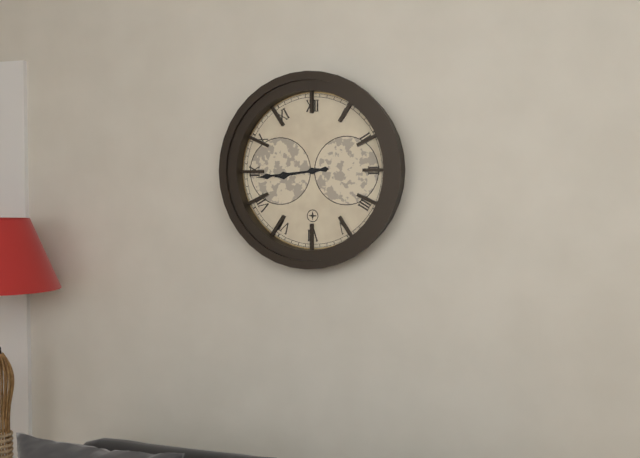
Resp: 8.44
